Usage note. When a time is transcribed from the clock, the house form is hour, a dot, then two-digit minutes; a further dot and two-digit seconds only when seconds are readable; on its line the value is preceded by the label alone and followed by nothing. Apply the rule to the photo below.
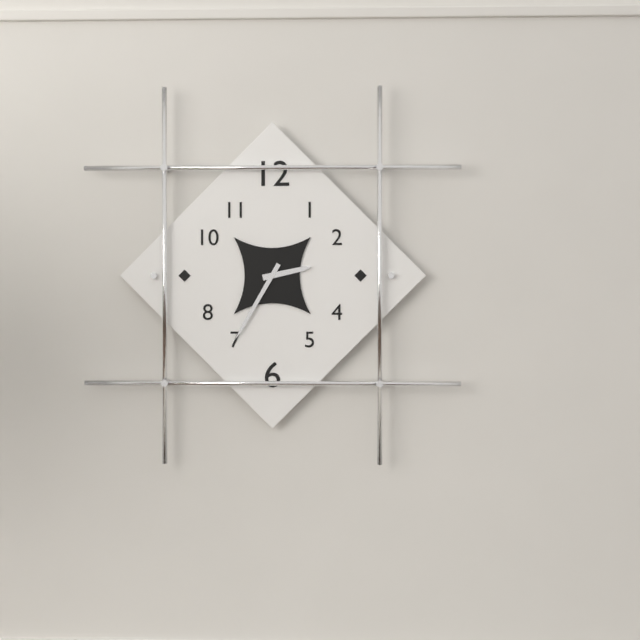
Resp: 2.35
